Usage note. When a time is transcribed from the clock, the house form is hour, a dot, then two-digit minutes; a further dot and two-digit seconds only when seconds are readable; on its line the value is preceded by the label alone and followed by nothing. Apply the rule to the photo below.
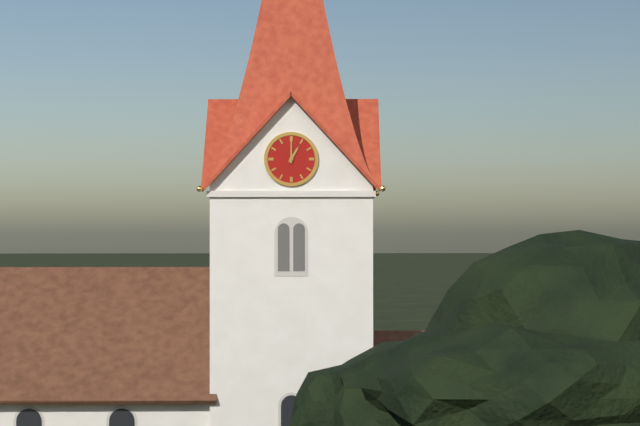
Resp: 1.00
